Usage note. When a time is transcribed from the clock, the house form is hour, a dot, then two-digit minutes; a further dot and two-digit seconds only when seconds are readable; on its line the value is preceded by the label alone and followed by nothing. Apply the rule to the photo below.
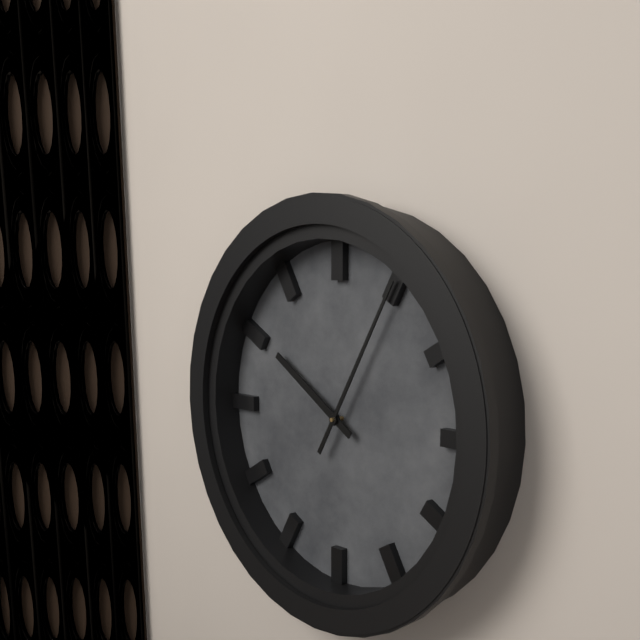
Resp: 10.05
